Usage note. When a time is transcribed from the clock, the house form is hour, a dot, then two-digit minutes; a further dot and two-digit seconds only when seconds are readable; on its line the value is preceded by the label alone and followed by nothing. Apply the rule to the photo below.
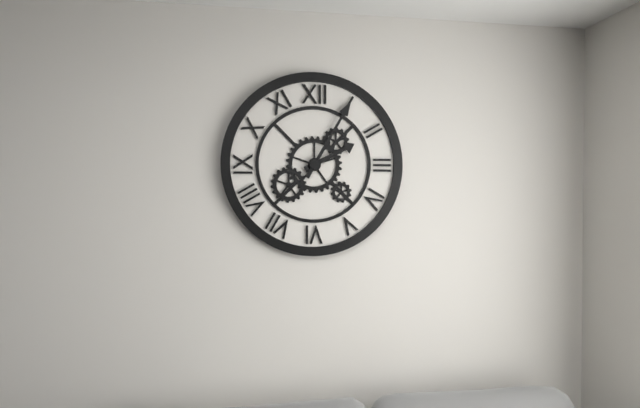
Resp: 2.05
